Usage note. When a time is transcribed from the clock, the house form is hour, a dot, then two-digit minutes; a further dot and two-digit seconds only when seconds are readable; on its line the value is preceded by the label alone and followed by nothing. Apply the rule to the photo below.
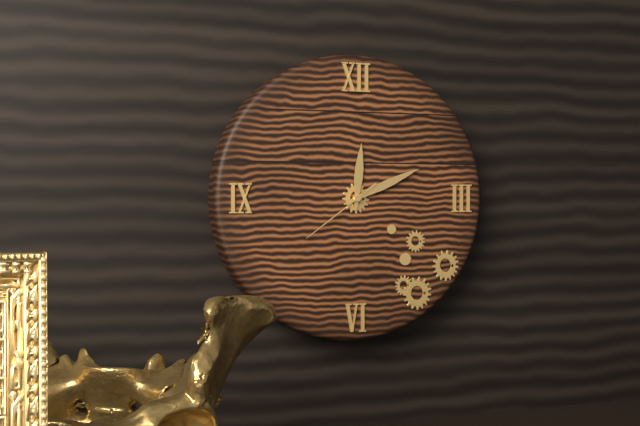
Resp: 12.11.39
